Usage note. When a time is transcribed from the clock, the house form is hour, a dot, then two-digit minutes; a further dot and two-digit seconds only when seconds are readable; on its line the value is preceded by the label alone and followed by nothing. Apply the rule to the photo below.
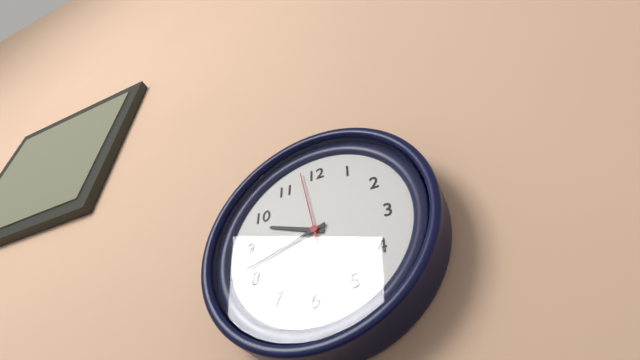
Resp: 9.42.58
